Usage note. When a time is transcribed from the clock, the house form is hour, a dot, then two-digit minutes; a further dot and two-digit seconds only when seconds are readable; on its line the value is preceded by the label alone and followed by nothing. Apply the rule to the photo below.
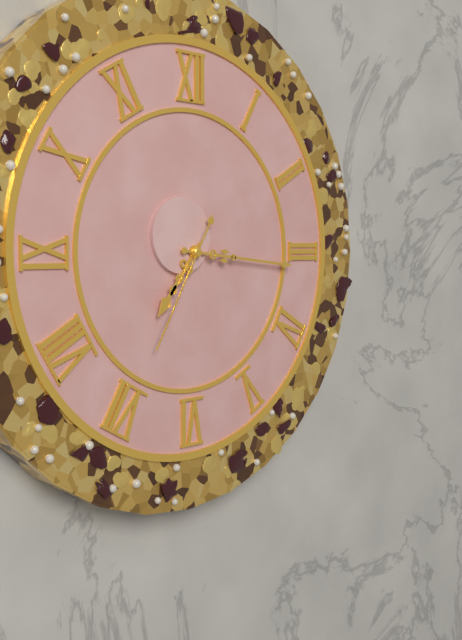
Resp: 7.16.35
